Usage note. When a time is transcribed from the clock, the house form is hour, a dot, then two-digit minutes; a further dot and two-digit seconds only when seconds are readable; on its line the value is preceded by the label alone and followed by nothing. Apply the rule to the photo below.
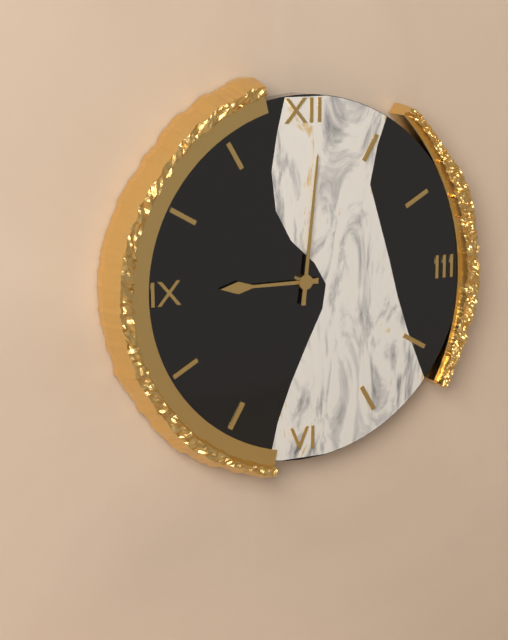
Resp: 9.01
